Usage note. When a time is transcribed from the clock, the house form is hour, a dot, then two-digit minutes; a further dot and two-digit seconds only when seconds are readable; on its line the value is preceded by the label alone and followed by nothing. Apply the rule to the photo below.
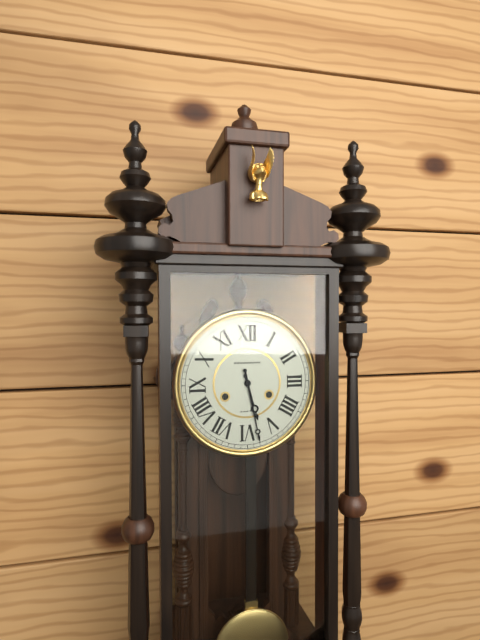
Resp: 5.28
